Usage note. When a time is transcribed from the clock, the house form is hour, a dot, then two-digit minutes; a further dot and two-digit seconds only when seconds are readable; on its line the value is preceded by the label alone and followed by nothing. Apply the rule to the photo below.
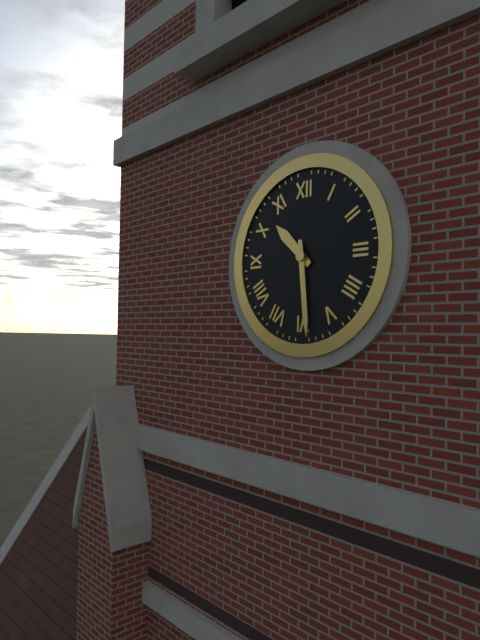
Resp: 10.29
